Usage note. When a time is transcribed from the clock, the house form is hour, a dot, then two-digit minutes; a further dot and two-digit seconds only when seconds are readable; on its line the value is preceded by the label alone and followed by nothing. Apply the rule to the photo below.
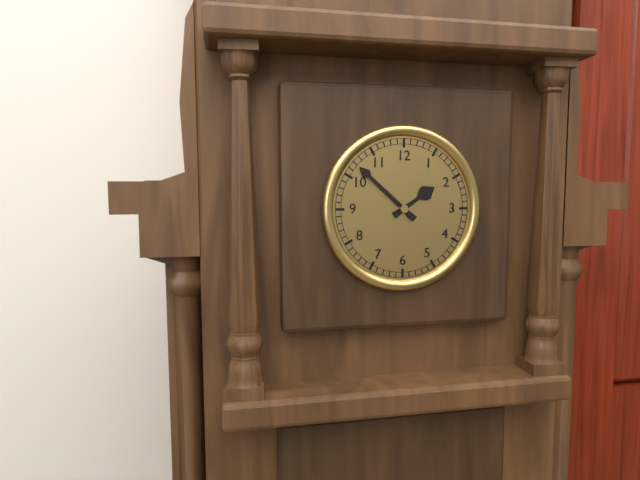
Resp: 1.52
